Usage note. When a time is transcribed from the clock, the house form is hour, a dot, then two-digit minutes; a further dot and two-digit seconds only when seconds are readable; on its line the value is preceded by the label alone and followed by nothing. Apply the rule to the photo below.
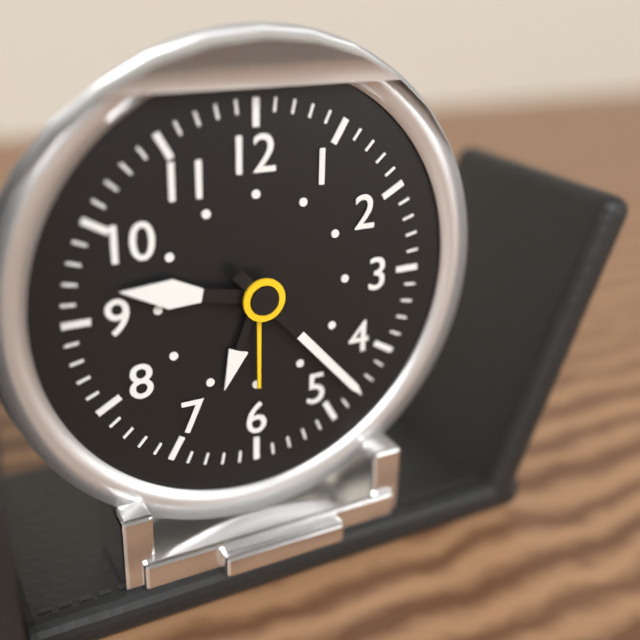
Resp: 9.23
